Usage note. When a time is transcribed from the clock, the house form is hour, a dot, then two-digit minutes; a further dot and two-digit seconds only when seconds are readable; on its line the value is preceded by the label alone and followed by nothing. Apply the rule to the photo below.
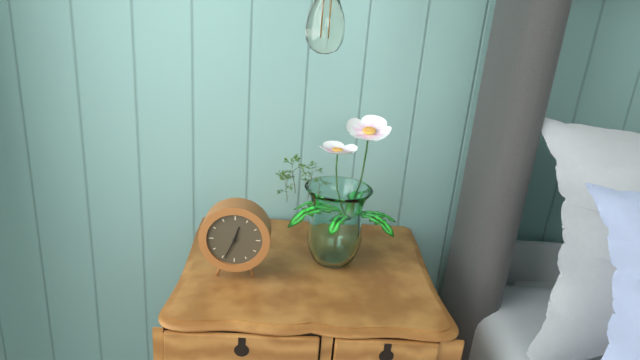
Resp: 12.34
